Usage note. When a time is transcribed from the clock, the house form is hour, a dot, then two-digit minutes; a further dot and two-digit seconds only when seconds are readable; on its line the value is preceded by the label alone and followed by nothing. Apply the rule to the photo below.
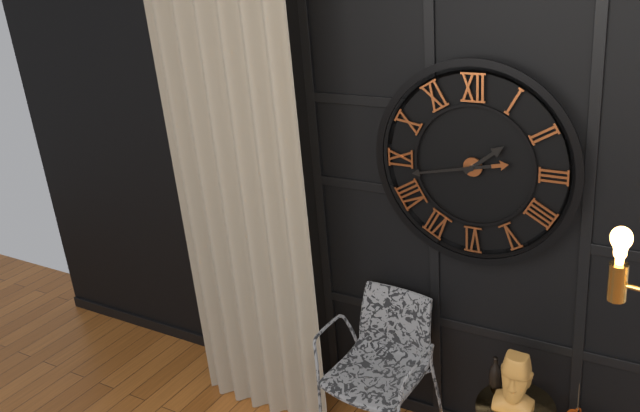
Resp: 1.43
